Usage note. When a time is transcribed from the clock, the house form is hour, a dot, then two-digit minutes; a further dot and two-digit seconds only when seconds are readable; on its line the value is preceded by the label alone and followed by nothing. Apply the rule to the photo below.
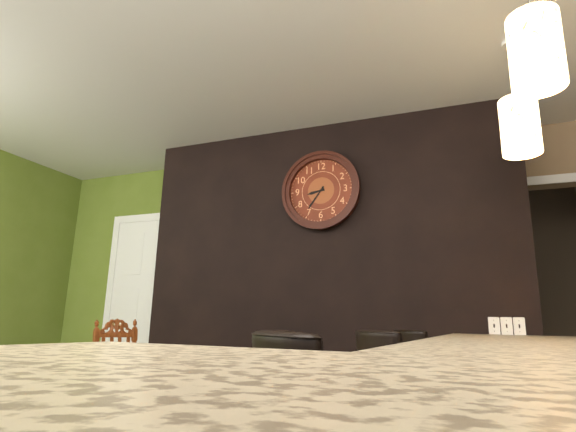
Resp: 8.36
